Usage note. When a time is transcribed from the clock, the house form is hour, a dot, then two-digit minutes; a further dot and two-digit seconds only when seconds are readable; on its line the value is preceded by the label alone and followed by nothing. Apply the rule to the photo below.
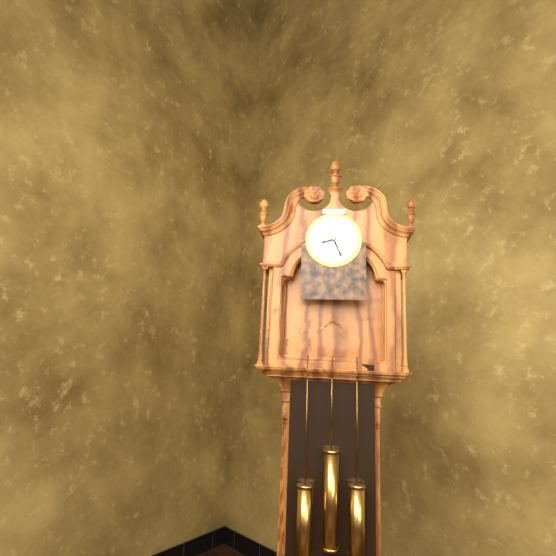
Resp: 8.26
